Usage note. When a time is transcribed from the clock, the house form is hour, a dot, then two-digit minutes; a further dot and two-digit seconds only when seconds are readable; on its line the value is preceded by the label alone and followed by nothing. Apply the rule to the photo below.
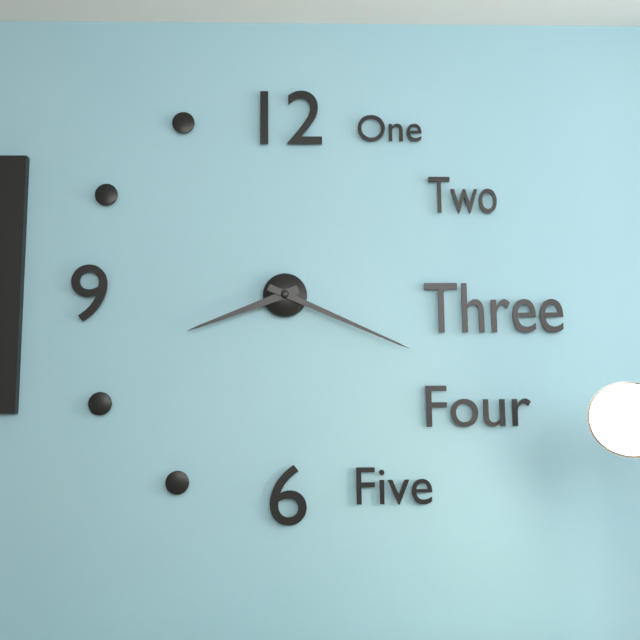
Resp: 8.19
